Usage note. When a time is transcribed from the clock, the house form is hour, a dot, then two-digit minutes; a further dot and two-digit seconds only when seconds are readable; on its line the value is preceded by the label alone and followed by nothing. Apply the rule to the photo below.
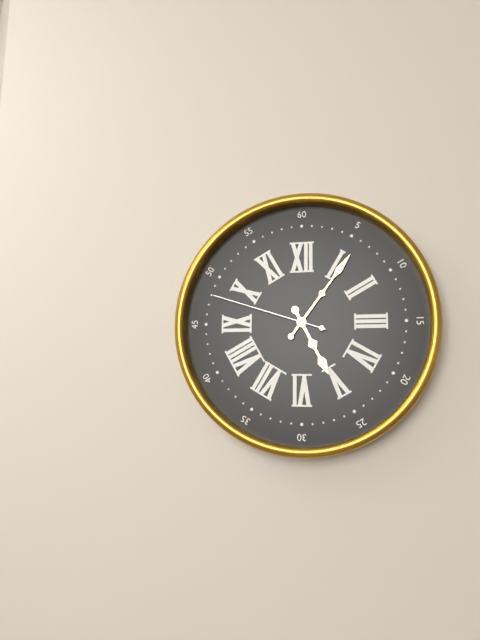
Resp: 5.06.48
